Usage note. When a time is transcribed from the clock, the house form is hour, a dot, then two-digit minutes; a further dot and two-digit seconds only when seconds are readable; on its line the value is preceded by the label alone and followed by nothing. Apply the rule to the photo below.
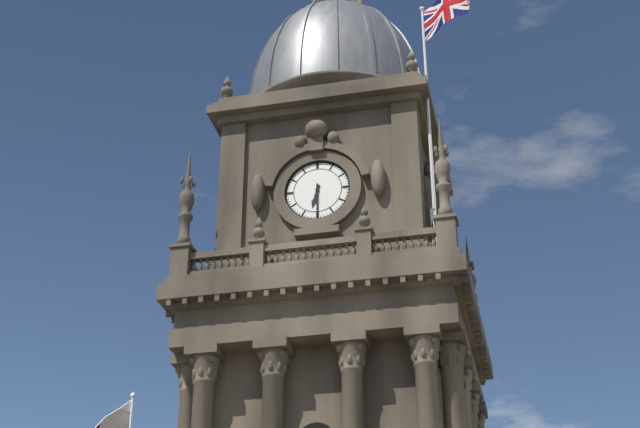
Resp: 6.30
